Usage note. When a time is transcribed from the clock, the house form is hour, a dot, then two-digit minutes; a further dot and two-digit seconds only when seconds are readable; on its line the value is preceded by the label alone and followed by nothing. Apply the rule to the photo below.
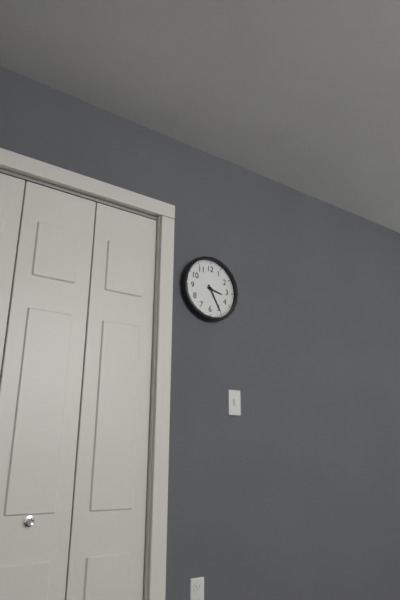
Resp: 3.25
